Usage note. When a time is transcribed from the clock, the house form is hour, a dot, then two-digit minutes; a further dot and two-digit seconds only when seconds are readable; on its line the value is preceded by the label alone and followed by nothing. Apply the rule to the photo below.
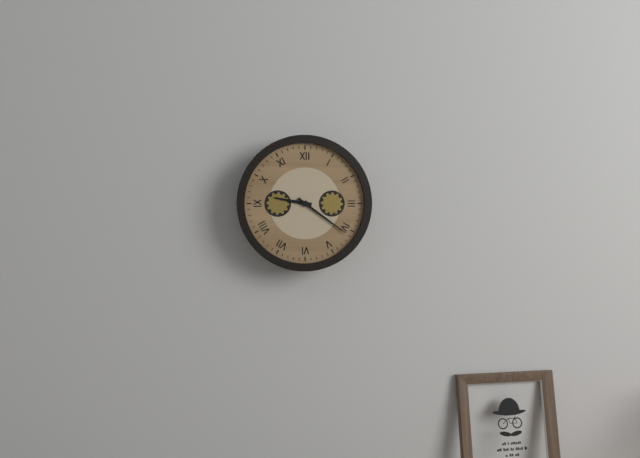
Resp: 9.21
